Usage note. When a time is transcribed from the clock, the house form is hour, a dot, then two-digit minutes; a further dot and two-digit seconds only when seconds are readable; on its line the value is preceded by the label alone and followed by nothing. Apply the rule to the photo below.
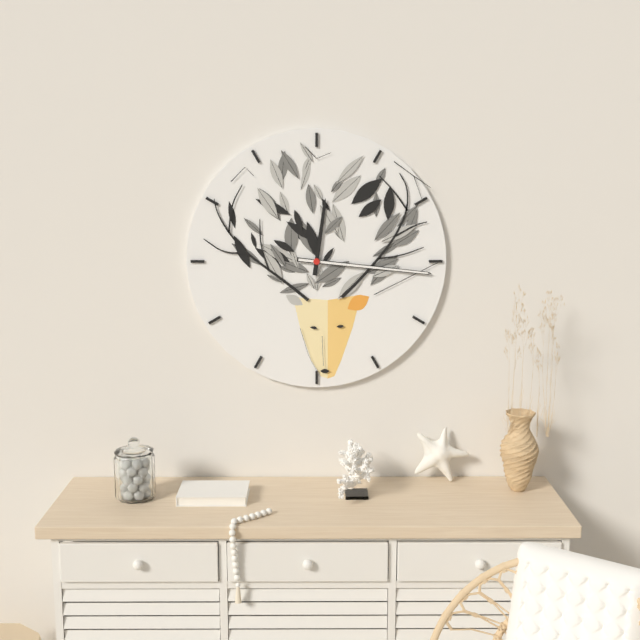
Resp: 12.16
